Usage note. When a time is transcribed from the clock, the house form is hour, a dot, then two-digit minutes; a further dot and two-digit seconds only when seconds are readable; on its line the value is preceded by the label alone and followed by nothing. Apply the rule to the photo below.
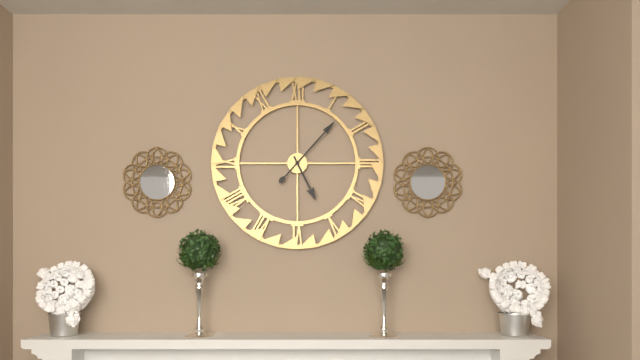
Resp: 5.07
